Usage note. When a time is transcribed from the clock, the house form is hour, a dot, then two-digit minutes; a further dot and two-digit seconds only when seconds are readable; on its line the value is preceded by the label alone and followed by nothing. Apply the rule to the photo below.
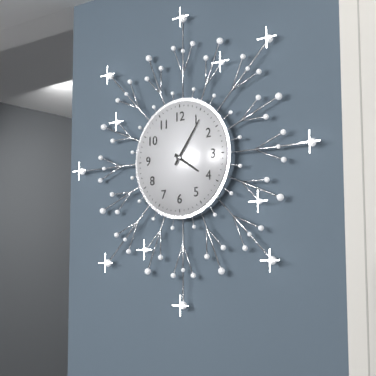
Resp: 4.06
